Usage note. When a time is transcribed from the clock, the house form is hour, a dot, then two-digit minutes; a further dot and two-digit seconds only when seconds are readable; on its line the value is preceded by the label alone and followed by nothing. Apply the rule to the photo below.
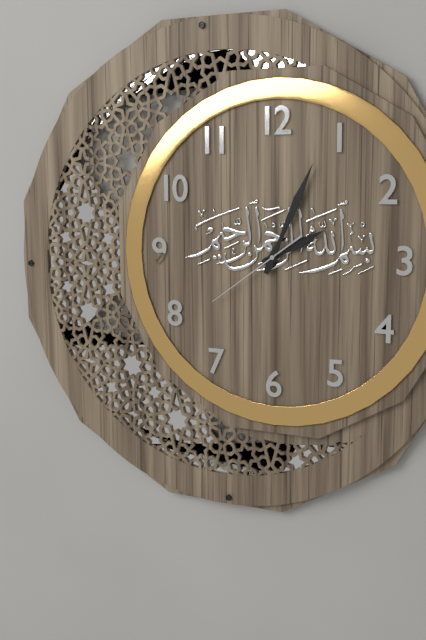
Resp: 2.04.39
